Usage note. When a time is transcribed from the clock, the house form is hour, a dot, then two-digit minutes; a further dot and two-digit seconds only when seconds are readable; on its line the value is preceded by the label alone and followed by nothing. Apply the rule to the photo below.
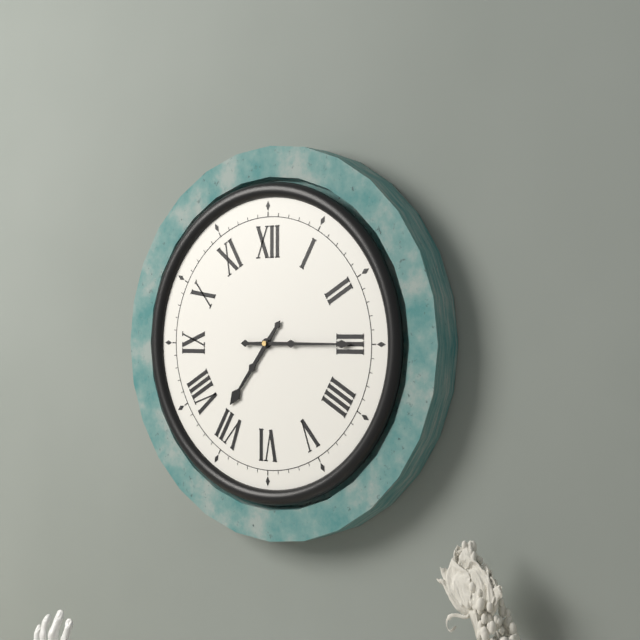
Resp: 7.15
